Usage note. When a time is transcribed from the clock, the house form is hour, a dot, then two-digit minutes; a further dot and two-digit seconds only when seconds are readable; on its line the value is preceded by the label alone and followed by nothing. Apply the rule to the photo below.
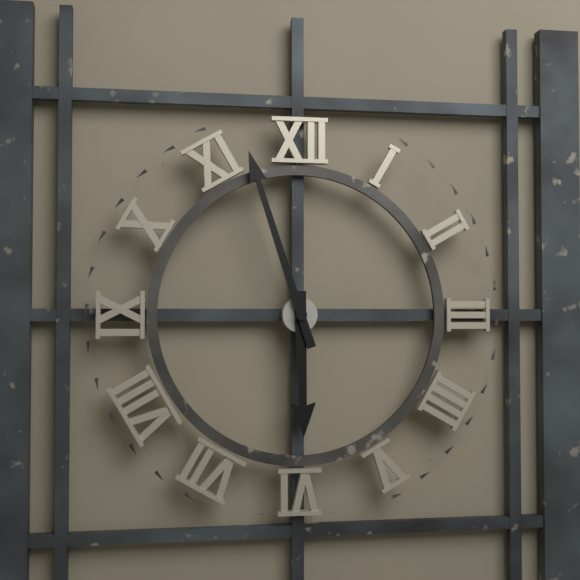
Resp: 5.57
